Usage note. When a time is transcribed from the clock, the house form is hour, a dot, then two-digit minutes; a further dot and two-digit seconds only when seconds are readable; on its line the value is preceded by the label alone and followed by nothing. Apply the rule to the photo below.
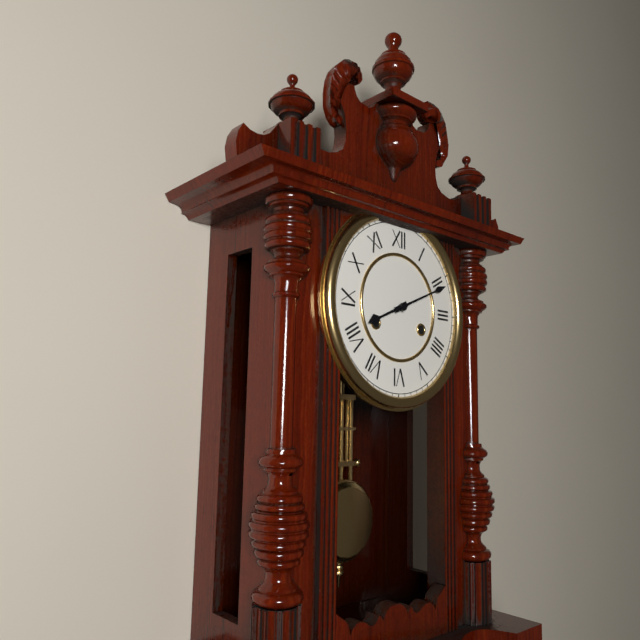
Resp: 8.11
